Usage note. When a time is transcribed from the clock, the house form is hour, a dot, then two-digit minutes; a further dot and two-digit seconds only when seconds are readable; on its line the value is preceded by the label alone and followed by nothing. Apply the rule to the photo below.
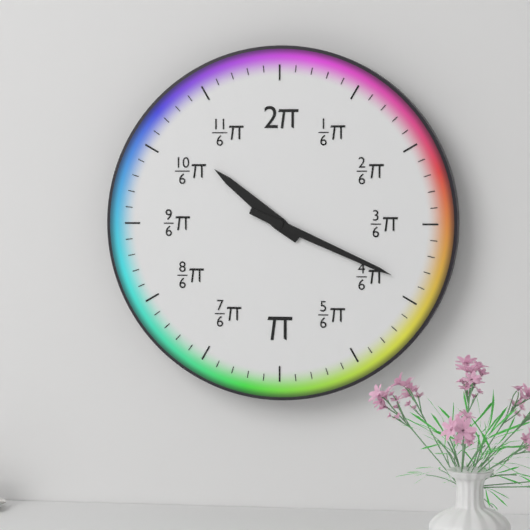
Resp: 10.19
